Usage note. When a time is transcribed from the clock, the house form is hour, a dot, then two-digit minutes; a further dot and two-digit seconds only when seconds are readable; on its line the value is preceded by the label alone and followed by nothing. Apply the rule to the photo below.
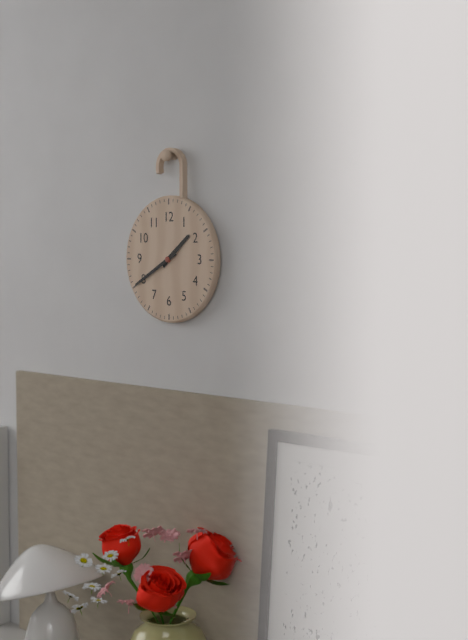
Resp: 1.40
